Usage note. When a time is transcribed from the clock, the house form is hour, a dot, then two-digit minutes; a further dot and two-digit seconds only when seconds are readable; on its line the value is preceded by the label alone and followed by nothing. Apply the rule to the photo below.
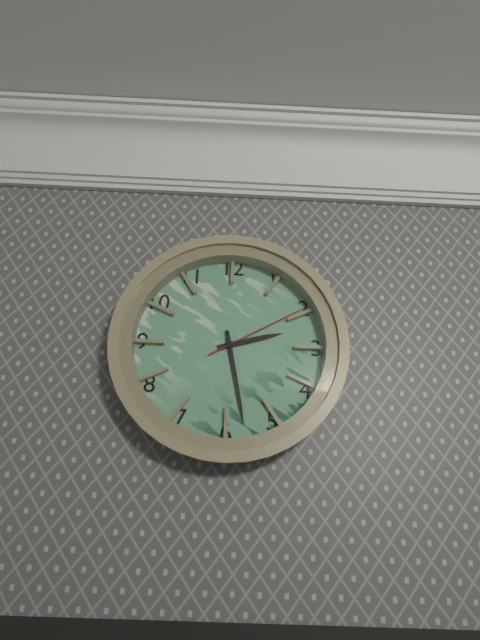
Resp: 2.28.10
